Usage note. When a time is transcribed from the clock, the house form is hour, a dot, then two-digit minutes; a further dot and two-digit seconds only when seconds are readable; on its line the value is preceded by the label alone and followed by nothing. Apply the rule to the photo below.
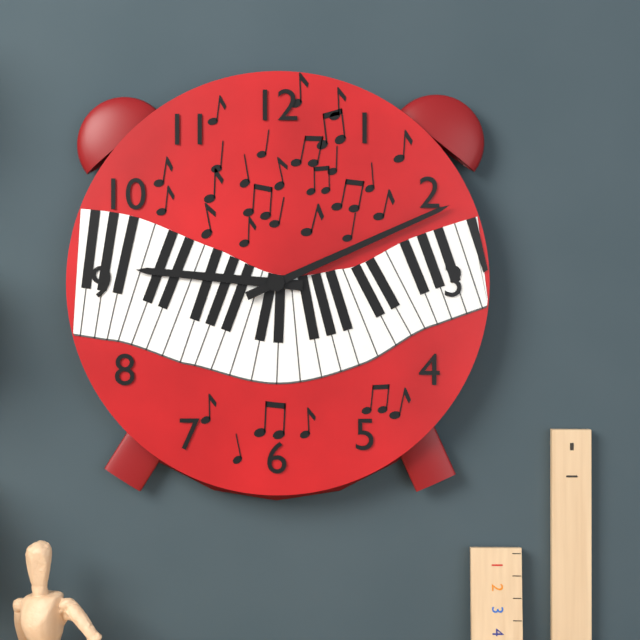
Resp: 9.11
